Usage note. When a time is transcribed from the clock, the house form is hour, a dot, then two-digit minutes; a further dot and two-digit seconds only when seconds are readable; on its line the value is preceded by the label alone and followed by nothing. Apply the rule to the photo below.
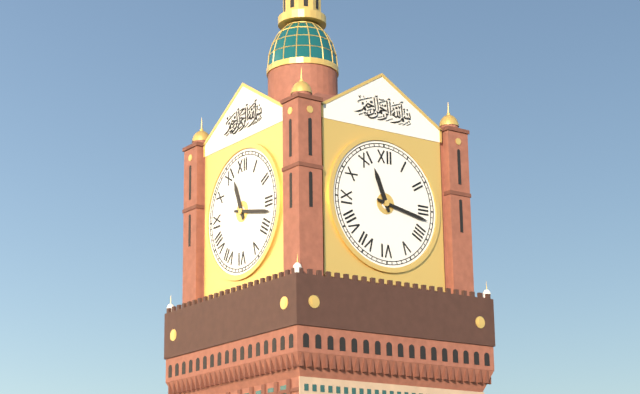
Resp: 11.17
